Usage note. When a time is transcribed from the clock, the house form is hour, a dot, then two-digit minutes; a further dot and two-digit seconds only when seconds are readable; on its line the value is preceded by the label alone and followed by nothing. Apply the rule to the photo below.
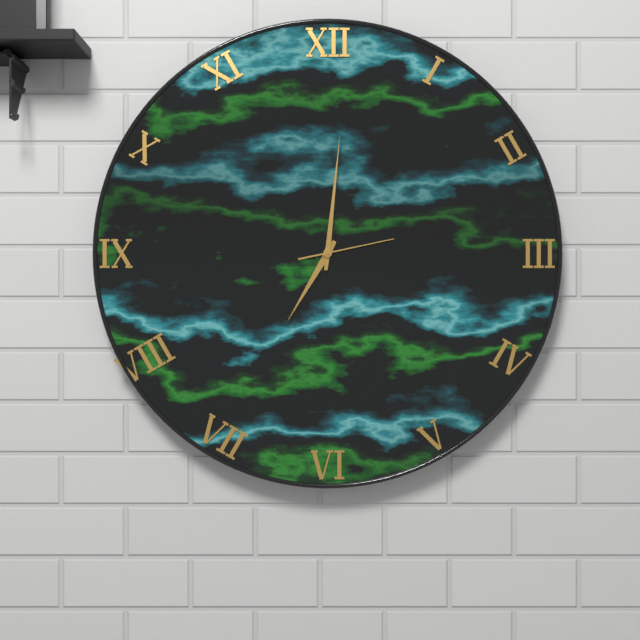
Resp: 7.01.13
